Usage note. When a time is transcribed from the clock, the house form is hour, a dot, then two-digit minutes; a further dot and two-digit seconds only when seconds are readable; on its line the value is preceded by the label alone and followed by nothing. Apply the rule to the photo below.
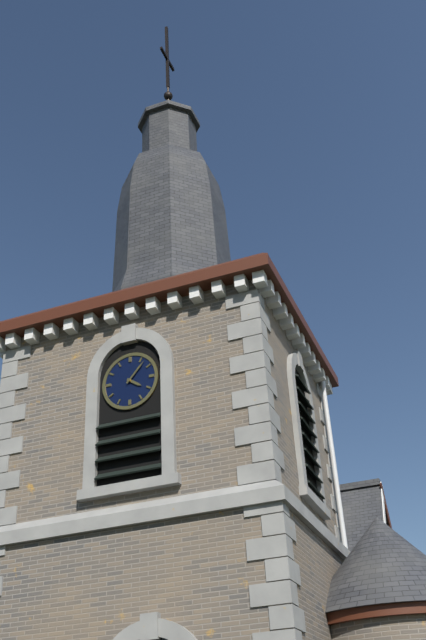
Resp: 4.07
